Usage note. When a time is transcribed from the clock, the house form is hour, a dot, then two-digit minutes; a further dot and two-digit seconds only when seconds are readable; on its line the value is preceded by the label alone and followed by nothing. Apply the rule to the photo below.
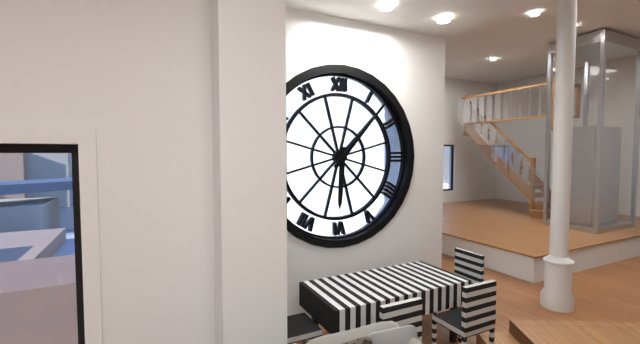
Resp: 6.07
